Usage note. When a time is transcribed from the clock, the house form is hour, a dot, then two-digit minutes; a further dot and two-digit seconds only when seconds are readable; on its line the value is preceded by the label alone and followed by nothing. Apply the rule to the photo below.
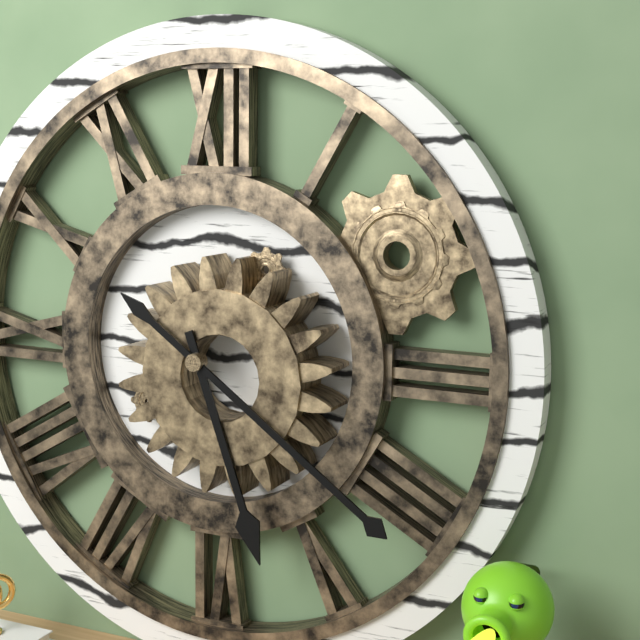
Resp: 5.21
